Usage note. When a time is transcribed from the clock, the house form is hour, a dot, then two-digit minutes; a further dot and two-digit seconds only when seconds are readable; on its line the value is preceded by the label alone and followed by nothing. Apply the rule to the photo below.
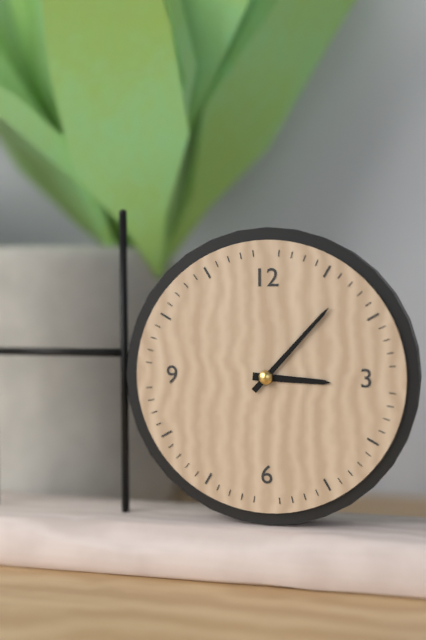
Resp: 3.07
